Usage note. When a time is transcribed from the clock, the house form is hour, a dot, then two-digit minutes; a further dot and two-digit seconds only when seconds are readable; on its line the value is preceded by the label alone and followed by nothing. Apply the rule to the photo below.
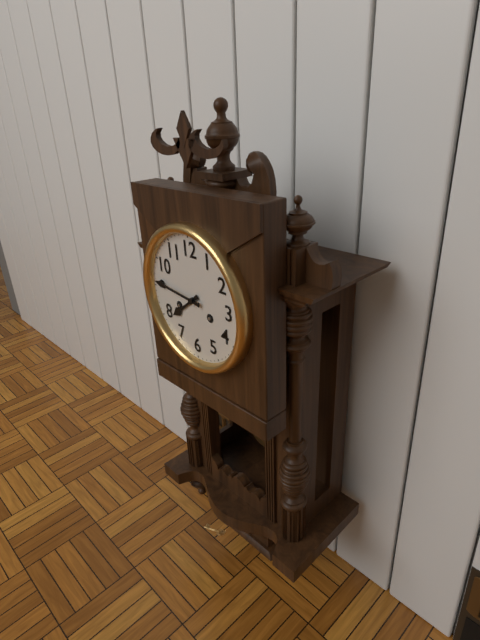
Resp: 7.46
